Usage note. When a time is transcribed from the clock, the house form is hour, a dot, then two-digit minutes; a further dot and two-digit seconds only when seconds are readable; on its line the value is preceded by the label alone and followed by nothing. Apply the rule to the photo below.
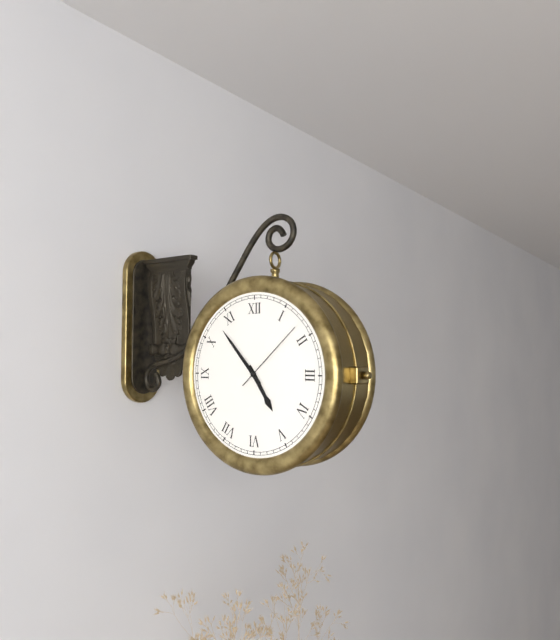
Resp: 4.53.08
